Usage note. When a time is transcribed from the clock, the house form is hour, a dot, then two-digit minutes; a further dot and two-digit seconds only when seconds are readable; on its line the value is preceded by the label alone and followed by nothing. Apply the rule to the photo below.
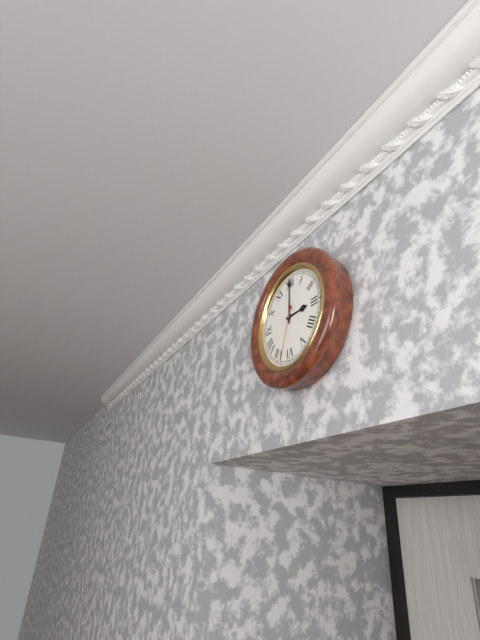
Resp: 3.00.33
